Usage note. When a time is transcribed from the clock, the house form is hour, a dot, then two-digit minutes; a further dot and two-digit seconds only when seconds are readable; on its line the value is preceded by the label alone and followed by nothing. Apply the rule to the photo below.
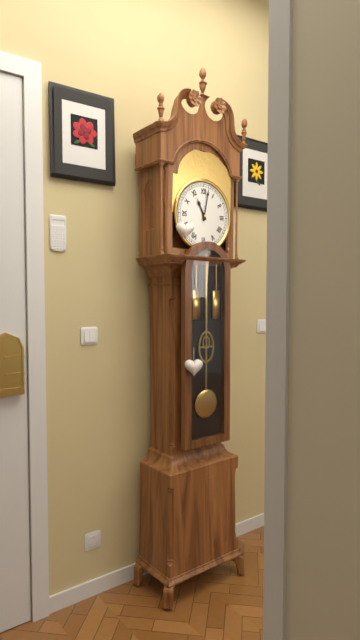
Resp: 11.02
